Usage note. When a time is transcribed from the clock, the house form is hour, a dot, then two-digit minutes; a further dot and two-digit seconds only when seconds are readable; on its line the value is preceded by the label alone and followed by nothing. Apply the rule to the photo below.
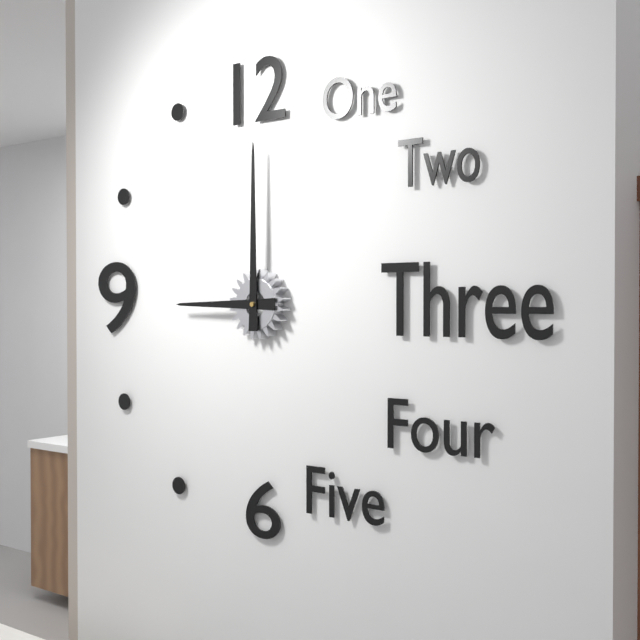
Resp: 9.00
